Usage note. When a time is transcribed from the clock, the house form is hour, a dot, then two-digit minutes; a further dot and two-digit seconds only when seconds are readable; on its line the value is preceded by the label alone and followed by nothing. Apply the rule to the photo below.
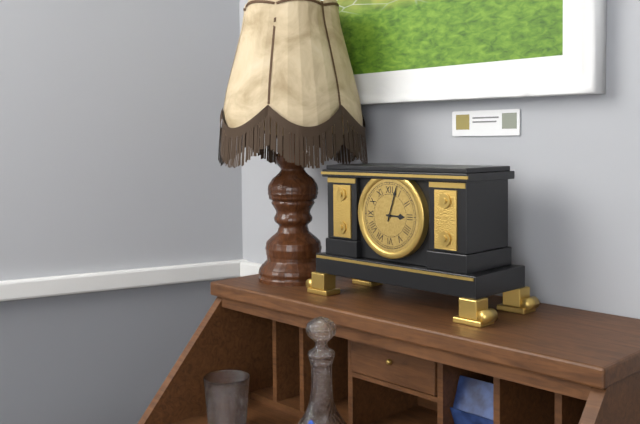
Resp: 3.03
